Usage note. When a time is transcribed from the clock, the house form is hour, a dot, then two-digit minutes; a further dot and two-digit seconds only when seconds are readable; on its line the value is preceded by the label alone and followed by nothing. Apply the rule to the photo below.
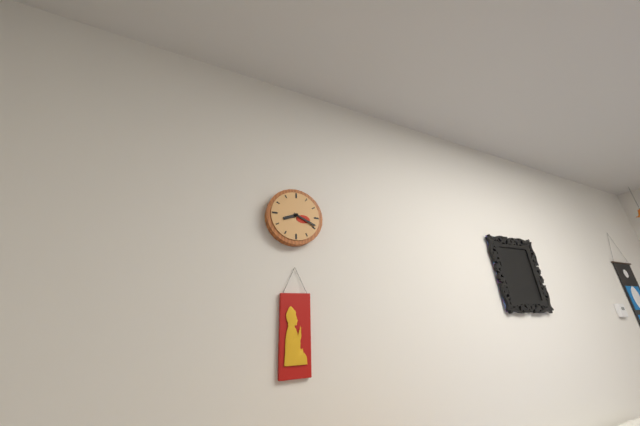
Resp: 8.19
